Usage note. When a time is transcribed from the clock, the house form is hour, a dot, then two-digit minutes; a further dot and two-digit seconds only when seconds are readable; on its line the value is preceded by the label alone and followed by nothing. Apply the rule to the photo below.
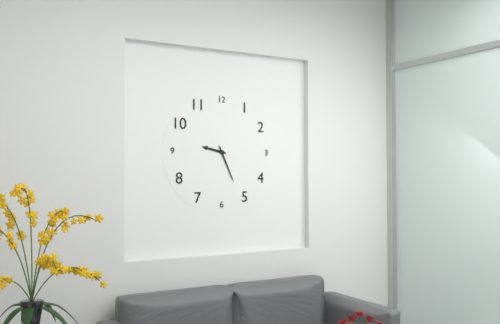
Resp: 9.26
